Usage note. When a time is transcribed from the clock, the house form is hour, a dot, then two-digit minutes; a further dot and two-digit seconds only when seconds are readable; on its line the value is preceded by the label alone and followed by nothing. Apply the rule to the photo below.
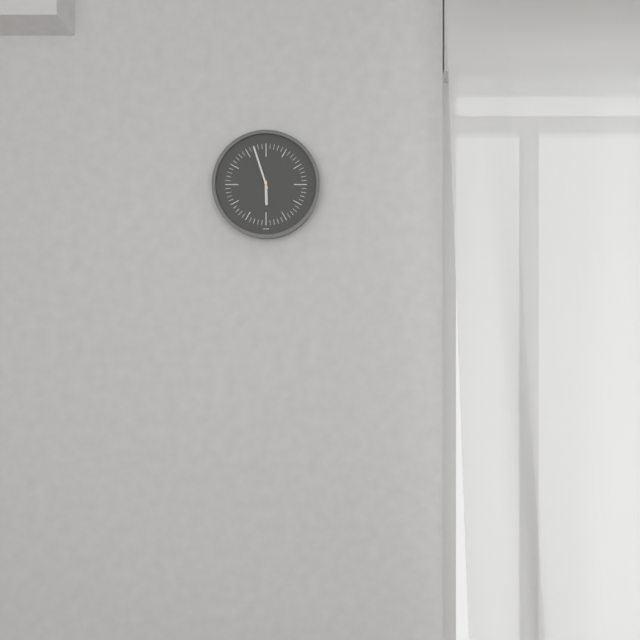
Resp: 5.57
